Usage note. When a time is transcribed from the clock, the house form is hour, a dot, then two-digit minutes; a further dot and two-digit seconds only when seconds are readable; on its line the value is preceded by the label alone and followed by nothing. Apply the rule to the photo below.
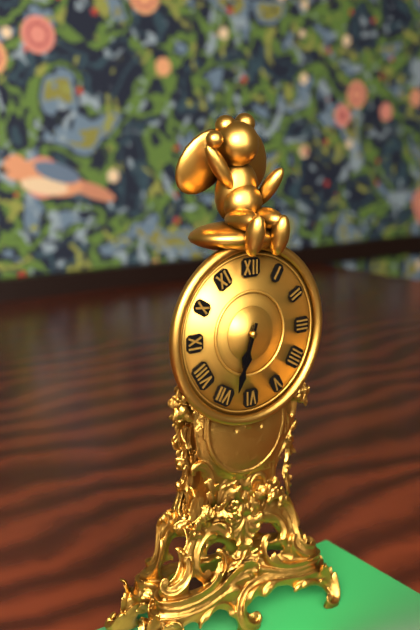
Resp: 6.33
